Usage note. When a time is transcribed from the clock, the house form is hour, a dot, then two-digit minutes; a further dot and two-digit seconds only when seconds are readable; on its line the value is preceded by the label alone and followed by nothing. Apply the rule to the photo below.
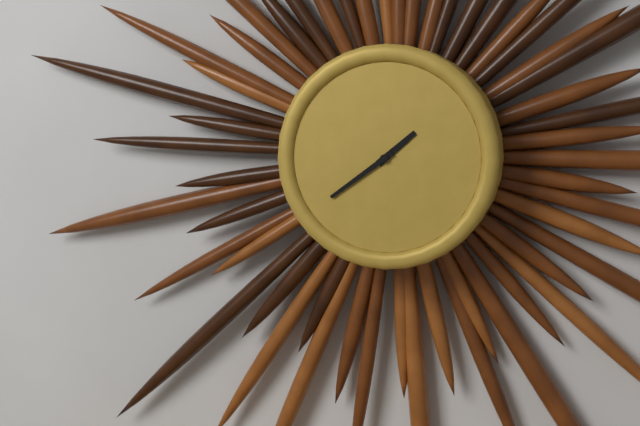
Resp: 1.39
